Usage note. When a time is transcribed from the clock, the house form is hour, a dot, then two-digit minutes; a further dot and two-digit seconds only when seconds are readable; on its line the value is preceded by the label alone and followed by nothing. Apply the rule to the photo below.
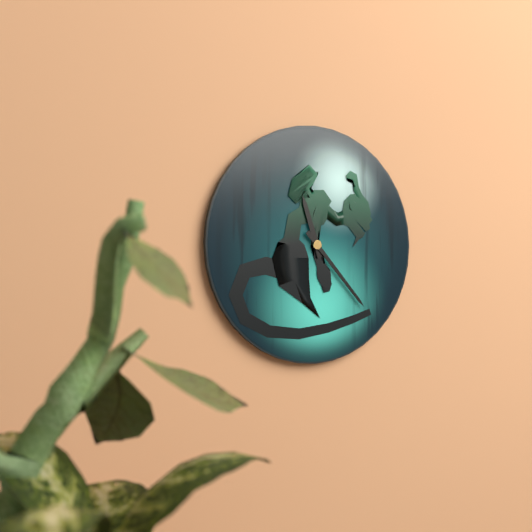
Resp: 11.23
